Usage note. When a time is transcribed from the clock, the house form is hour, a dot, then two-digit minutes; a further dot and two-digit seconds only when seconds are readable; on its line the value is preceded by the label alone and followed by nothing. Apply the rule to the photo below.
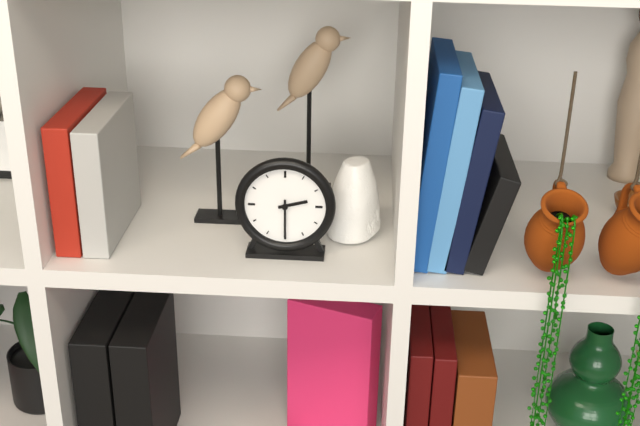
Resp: 2.30
